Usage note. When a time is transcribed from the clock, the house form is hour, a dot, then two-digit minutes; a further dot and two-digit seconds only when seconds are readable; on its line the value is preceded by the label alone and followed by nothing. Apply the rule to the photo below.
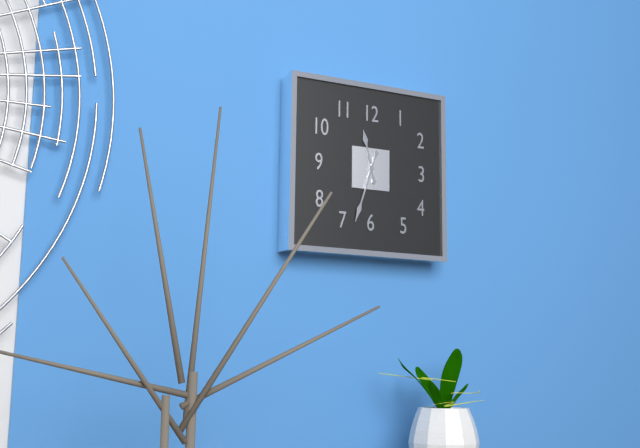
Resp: 11.33
